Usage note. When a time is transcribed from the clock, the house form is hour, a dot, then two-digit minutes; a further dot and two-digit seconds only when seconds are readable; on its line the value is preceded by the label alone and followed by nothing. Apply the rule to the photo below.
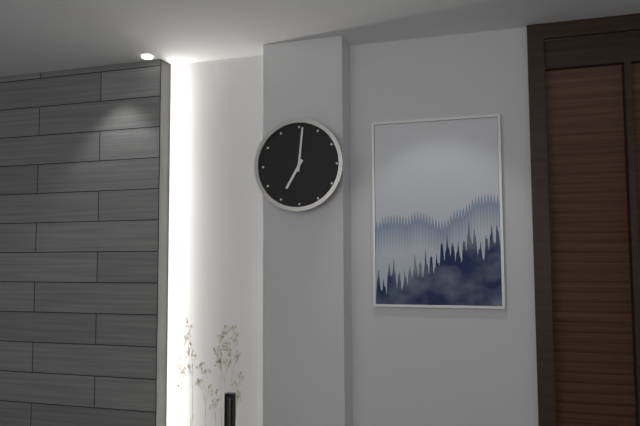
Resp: 7.01
